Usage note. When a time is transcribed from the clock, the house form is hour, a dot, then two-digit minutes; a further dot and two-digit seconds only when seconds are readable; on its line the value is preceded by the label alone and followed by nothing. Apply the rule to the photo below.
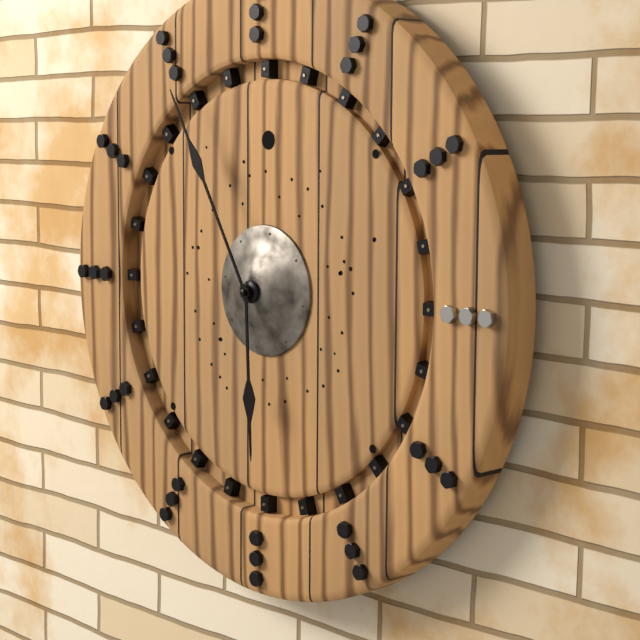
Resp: 5.55
